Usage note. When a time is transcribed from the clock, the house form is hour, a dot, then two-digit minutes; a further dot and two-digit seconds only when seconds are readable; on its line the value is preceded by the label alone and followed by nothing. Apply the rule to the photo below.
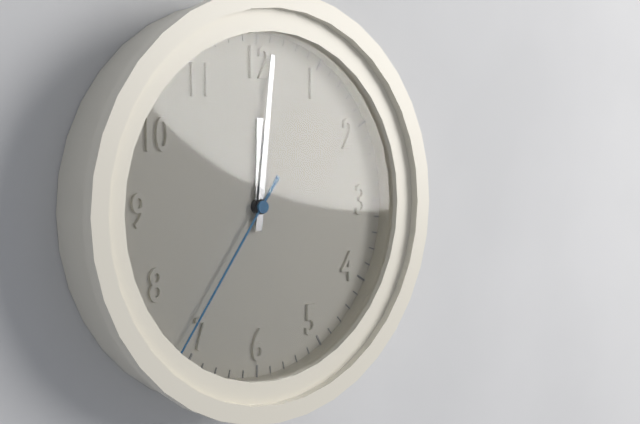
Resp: 12.01.36
